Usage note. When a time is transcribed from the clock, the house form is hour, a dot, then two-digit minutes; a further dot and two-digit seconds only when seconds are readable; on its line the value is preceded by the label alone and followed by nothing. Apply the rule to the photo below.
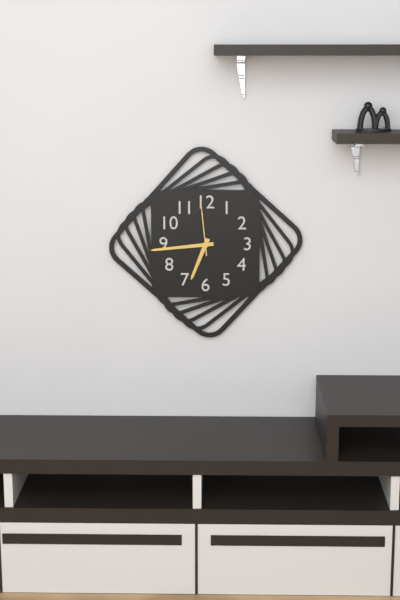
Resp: 6.44.59
